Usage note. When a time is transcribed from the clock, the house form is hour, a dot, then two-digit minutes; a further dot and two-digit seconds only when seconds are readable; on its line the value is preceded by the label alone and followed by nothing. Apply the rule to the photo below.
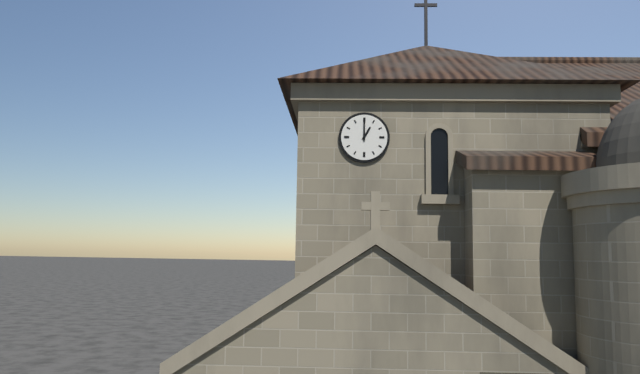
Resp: 1.00
